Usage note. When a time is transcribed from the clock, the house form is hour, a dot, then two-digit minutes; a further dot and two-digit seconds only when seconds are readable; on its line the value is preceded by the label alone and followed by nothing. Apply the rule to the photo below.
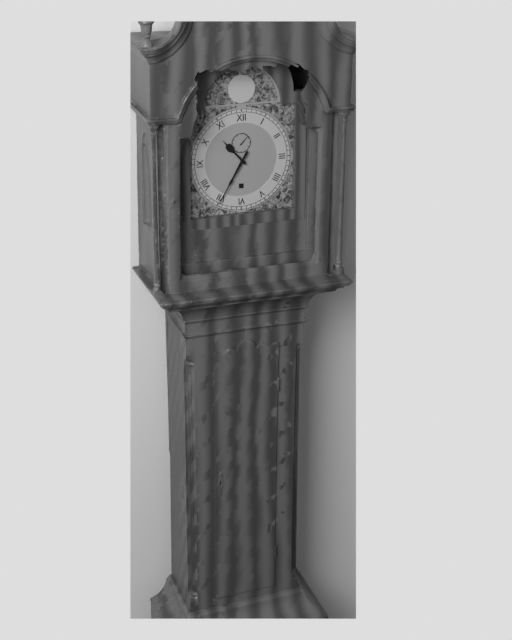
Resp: 10.35
